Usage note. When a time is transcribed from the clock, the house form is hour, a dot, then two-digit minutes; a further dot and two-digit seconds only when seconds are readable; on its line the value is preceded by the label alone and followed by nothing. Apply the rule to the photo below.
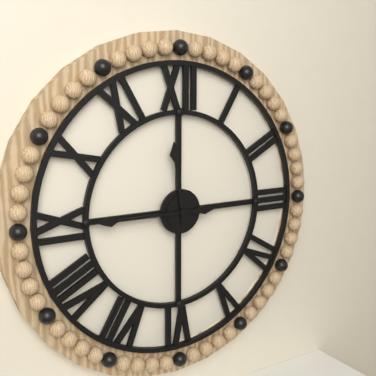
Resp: 11.45
